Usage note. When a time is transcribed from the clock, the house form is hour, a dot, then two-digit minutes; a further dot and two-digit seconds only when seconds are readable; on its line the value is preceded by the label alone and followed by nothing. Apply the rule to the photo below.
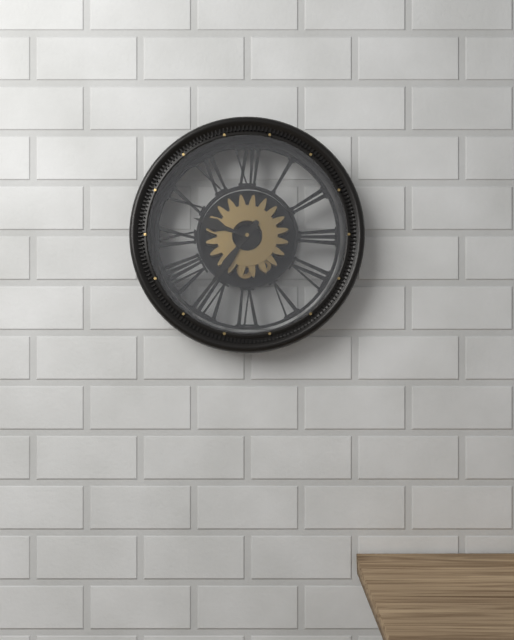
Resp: 9.36
